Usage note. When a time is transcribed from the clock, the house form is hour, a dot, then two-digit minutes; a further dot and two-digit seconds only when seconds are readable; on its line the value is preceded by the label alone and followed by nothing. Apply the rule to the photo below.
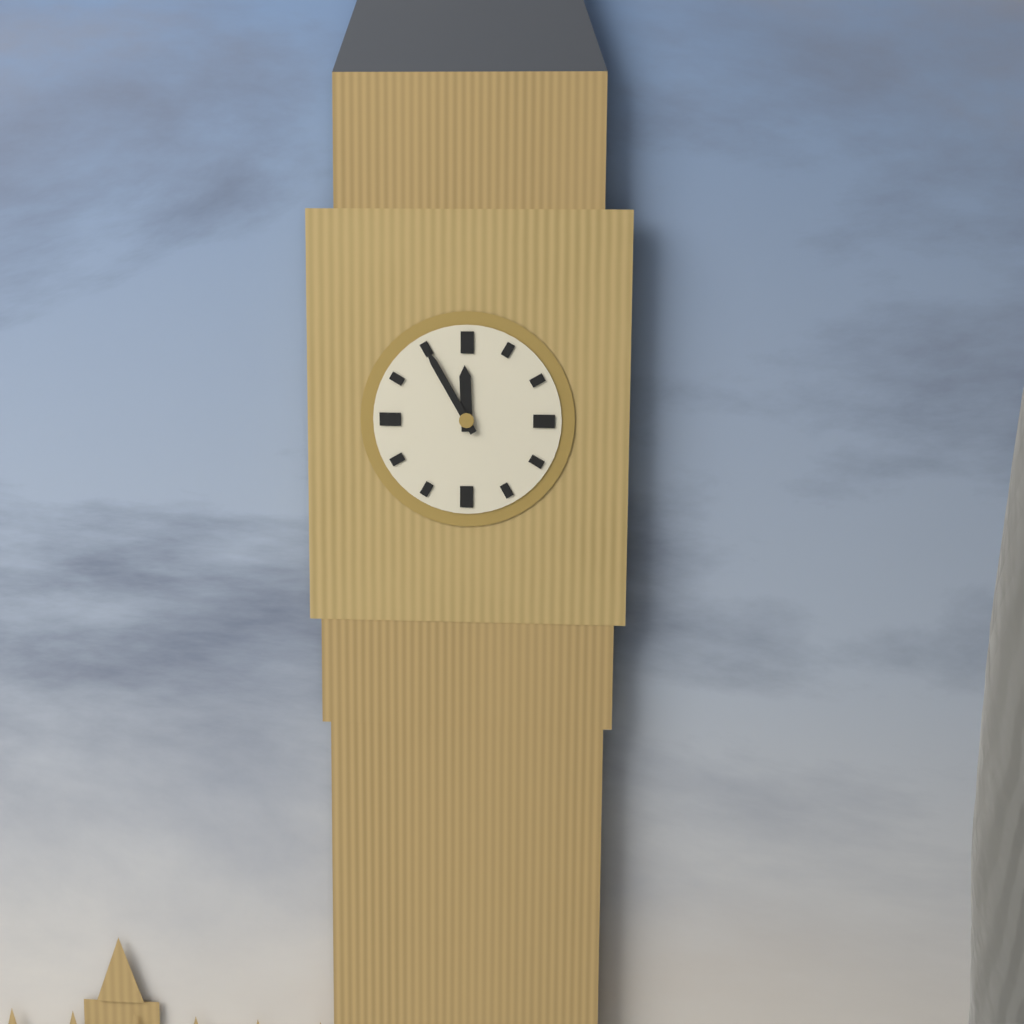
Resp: 11.55
